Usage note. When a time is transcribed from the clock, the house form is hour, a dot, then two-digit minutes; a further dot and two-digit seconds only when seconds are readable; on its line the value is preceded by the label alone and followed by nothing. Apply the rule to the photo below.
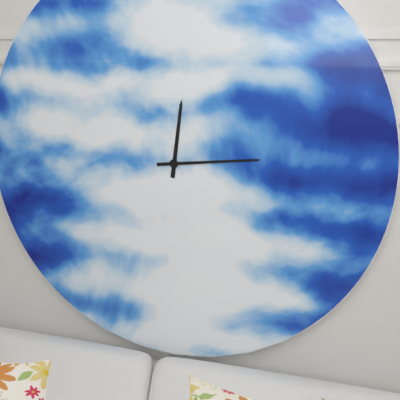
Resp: 12.14
